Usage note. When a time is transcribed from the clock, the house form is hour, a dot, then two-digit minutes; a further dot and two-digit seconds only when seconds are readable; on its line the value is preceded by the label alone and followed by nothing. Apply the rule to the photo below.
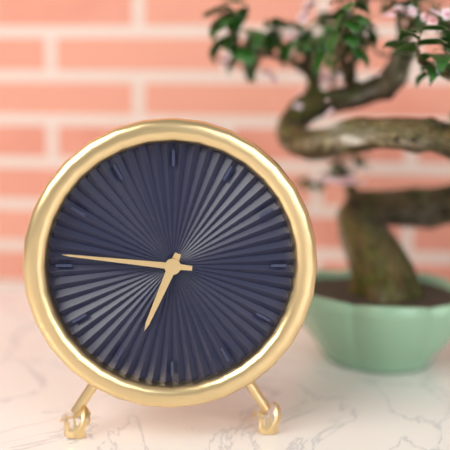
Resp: 6.46
